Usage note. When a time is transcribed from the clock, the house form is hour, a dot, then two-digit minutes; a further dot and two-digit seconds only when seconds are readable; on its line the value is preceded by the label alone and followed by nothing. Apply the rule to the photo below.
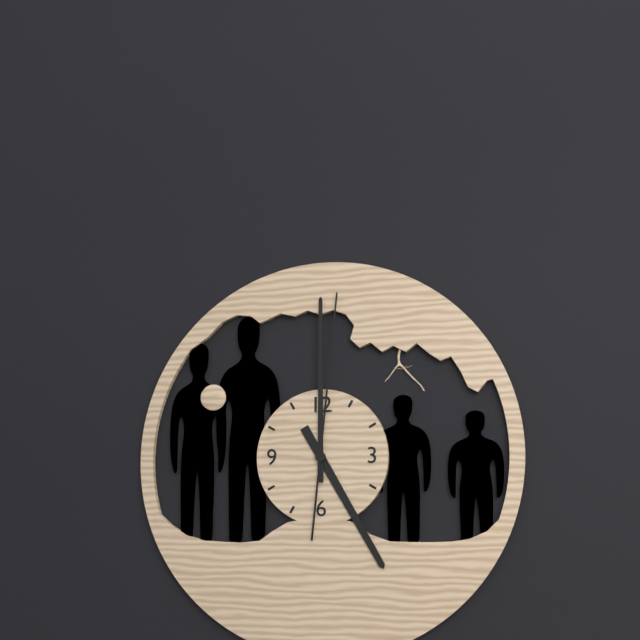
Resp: 5.00.01
